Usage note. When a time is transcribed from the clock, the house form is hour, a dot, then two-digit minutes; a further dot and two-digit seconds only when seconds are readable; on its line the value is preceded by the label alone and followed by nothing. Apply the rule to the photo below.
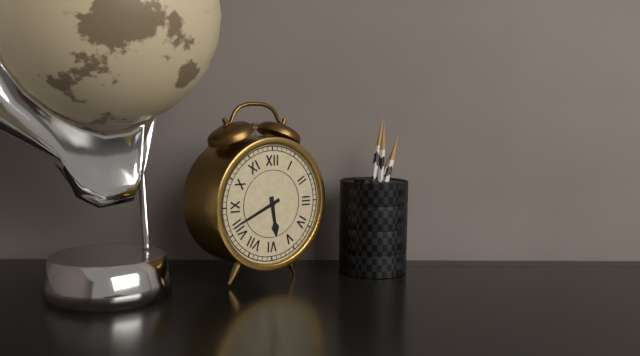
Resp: 5.41
